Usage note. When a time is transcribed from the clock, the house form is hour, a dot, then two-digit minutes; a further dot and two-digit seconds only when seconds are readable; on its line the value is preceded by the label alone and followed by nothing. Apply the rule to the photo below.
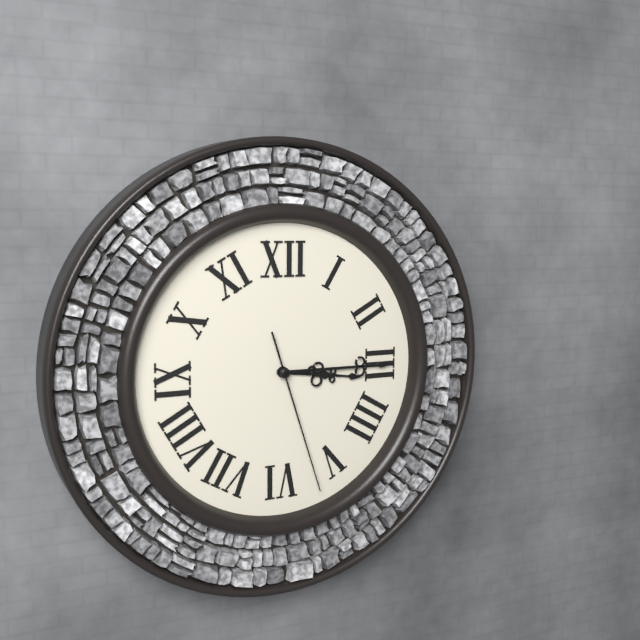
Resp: 3.15.27
